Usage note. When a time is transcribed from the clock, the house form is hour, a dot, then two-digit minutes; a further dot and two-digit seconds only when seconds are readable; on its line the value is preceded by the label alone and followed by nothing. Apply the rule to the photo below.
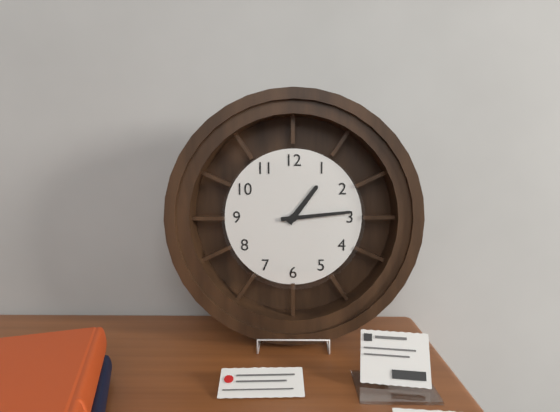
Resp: 1.14
